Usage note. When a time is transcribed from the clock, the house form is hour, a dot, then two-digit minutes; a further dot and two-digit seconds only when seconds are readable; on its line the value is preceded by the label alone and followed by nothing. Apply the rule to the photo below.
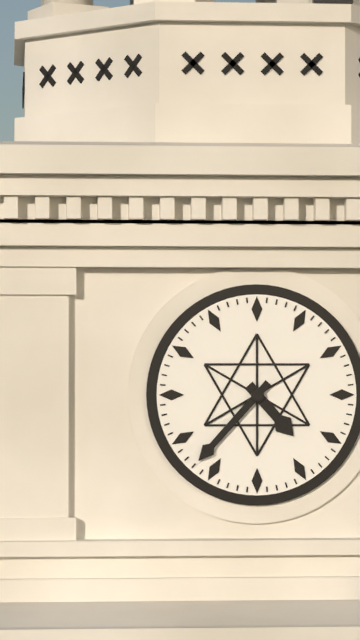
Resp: 4.37
